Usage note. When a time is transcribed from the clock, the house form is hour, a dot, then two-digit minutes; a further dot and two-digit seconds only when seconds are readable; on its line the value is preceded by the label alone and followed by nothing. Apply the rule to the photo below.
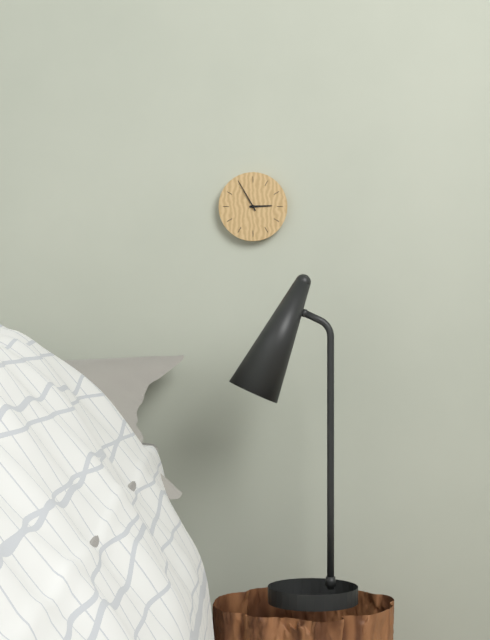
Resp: 2.55
